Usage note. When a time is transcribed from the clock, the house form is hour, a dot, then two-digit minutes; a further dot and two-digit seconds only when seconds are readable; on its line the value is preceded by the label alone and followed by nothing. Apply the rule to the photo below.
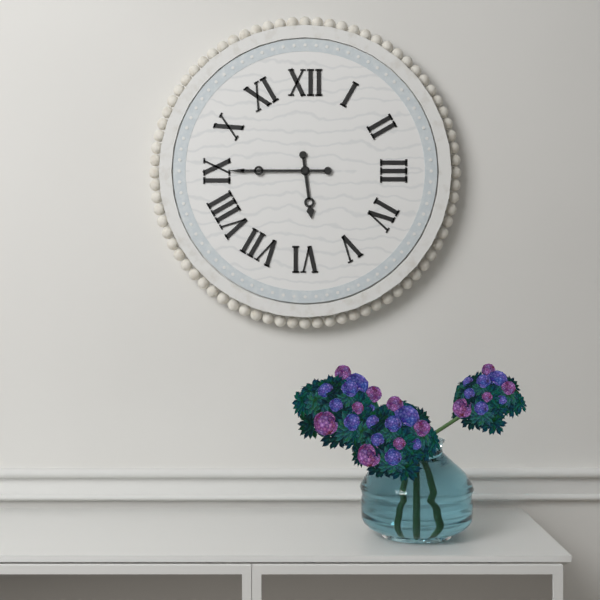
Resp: 5.45
